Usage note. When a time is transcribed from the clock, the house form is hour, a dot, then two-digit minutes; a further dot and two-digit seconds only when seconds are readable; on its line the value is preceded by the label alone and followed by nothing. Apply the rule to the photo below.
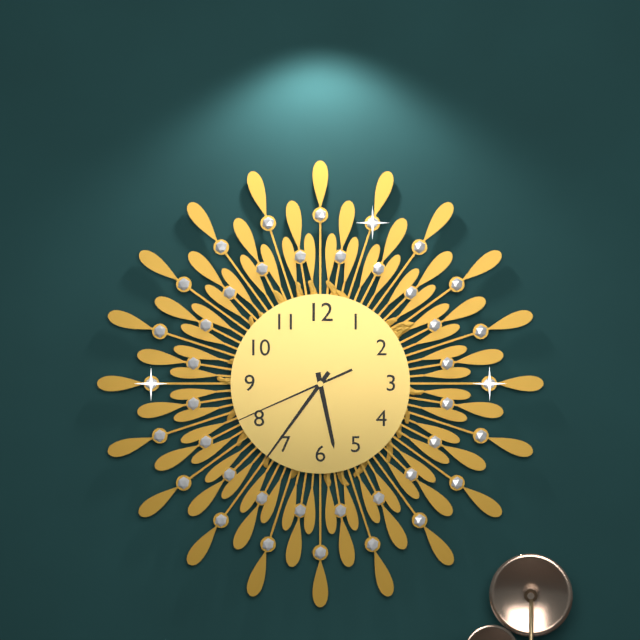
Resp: 5.36.41
